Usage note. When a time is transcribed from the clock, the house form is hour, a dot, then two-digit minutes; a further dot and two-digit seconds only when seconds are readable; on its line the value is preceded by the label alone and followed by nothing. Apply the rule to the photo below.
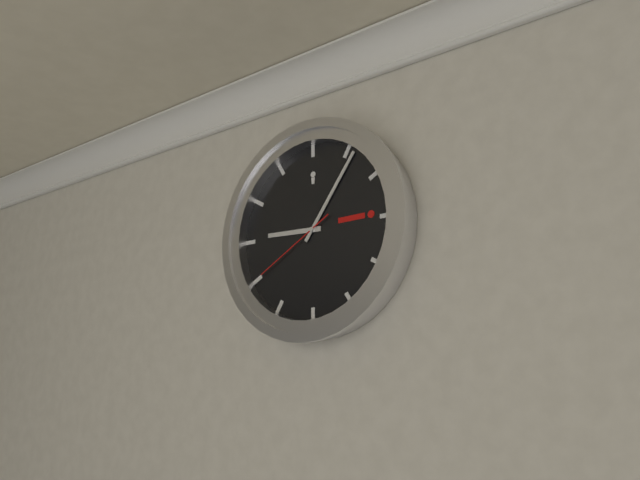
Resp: 9.06.40
